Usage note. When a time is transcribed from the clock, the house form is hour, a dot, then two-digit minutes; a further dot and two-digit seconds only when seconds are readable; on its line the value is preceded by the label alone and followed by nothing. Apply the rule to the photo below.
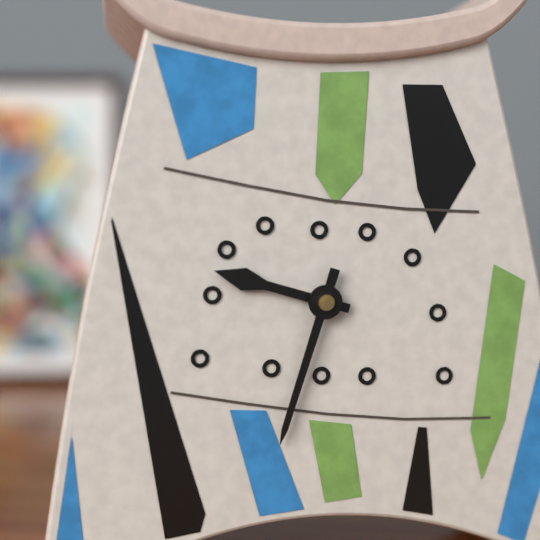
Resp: 9.33
